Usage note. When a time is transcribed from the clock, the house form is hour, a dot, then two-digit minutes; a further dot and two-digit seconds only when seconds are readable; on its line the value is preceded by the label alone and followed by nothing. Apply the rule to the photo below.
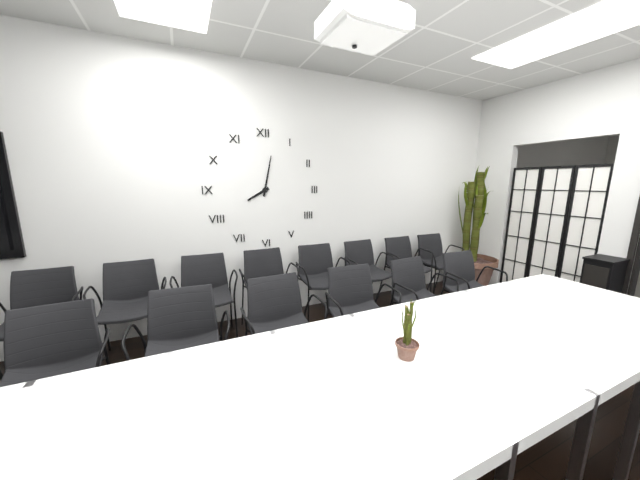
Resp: 8.02
